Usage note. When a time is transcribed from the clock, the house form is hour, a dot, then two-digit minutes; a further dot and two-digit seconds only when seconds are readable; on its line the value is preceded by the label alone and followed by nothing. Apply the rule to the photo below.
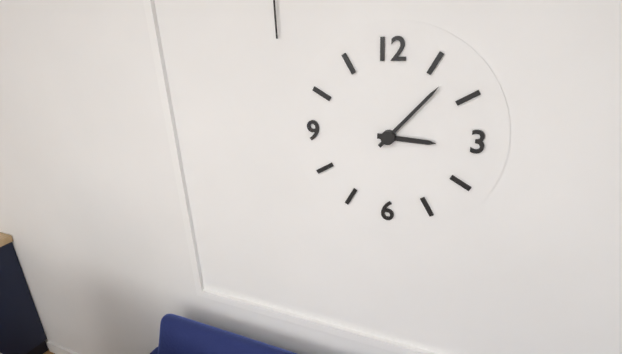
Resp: 3.07
